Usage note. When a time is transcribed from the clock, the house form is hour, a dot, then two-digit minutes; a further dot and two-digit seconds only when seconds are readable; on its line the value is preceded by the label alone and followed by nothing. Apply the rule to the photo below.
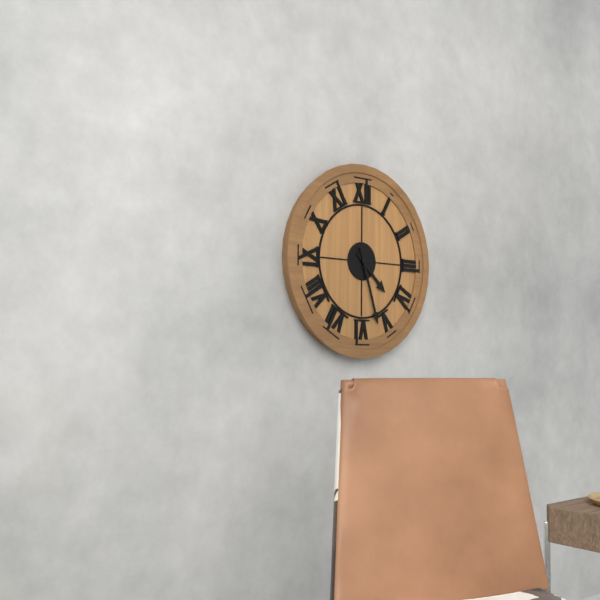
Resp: 4.27
